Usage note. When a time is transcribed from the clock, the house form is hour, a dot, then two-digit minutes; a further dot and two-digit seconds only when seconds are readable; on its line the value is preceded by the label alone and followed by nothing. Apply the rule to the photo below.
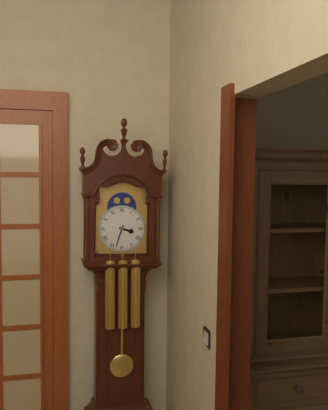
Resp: 3.33
